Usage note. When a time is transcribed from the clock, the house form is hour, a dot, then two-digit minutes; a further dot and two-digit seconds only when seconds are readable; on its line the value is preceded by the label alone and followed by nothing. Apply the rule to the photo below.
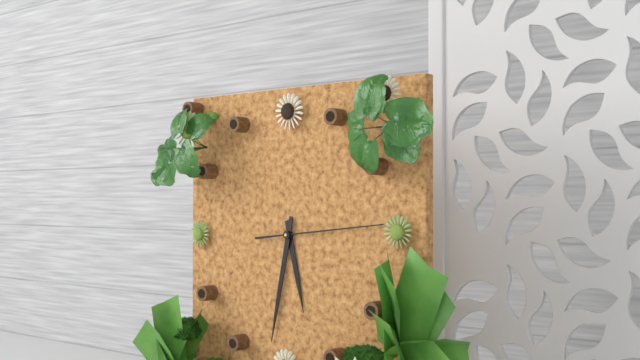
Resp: 5.32.14
